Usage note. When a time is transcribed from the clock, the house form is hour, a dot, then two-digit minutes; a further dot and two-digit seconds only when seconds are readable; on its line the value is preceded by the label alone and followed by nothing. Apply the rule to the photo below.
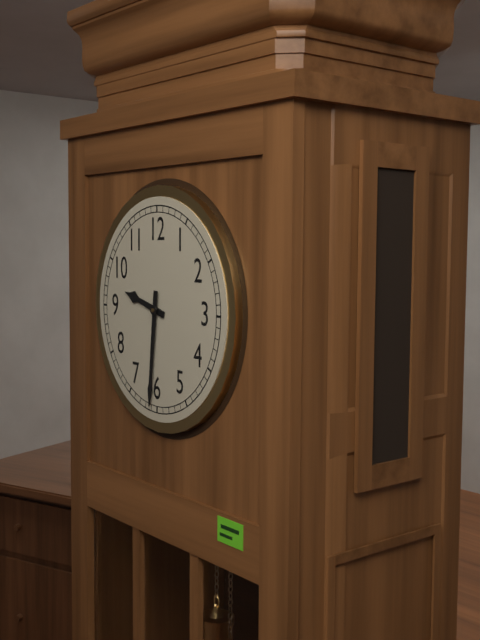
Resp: 9.31
